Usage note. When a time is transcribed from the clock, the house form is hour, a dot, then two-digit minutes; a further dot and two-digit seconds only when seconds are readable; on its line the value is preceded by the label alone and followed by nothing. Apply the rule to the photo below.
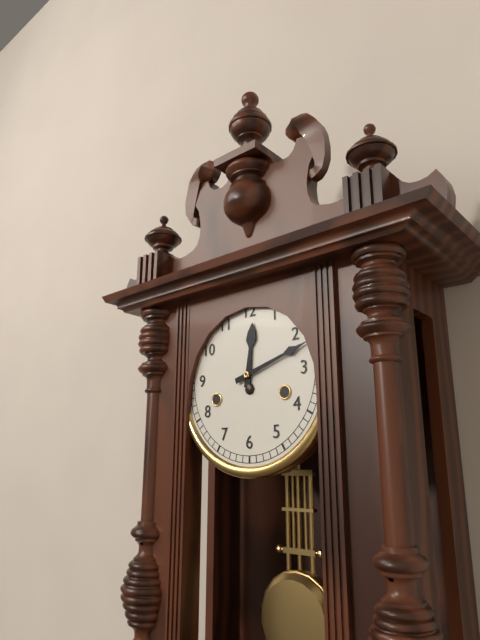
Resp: 12.12
